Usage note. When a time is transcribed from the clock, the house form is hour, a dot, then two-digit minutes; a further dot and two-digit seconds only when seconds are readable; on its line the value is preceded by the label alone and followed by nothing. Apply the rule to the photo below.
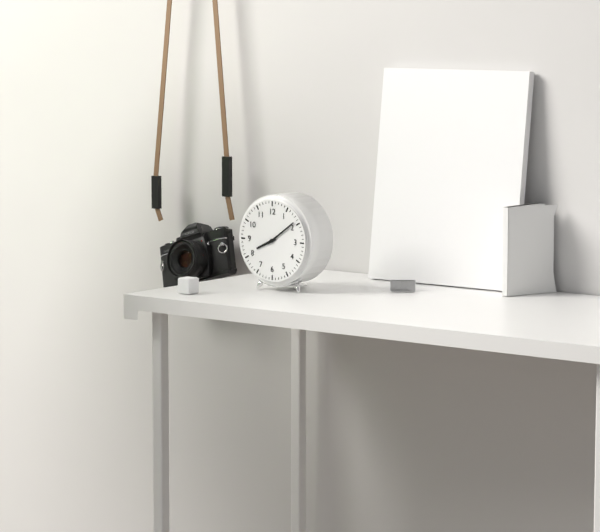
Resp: 8.09
